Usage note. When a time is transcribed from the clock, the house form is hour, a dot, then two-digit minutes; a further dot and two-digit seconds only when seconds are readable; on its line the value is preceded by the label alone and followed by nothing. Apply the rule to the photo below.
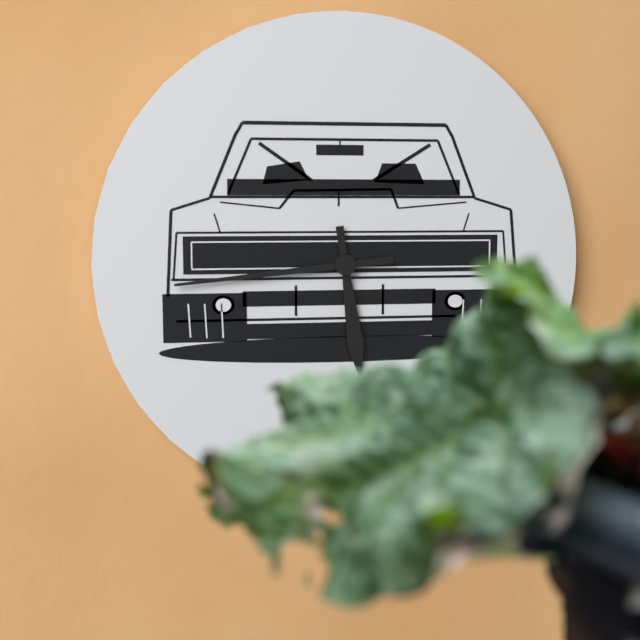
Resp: 5.44
